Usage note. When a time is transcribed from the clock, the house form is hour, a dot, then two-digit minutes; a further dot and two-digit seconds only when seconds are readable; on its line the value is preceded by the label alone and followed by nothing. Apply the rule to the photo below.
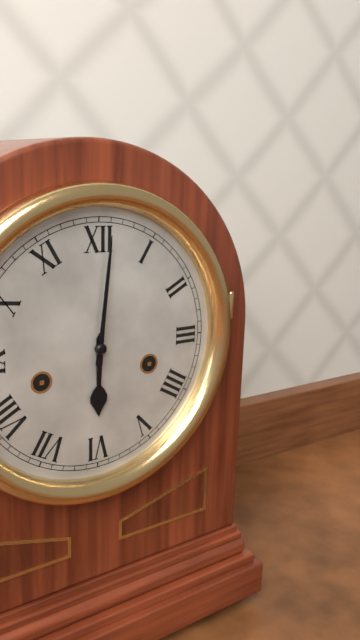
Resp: 6.01
